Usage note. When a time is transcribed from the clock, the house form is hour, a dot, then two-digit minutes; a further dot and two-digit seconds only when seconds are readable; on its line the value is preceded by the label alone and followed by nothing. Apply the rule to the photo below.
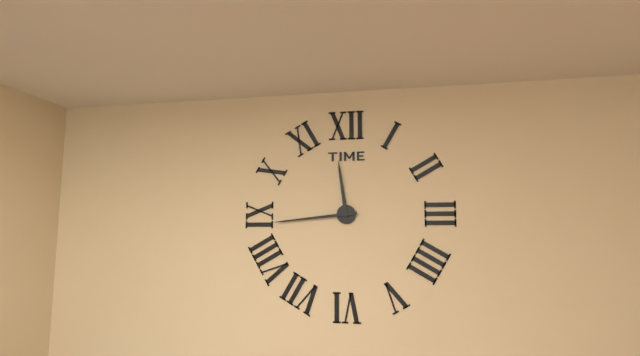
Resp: 11.44
